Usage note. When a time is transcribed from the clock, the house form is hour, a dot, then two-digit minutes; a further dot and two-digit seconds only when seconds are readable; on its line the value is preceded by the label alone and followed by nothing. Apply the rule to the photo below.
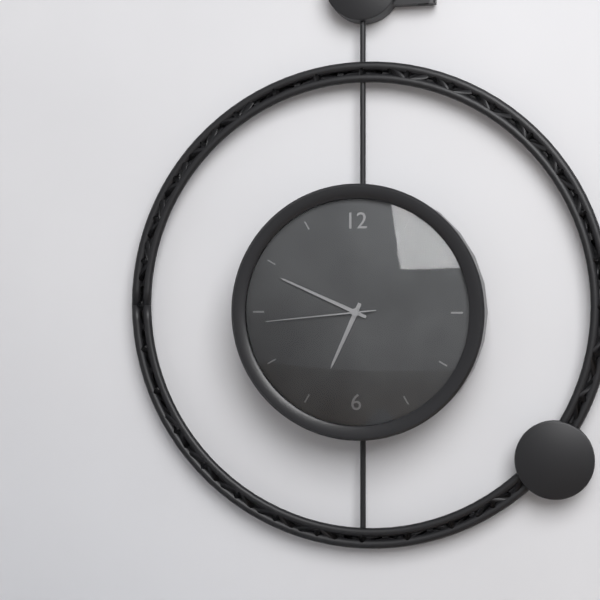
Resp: 6.49.44
